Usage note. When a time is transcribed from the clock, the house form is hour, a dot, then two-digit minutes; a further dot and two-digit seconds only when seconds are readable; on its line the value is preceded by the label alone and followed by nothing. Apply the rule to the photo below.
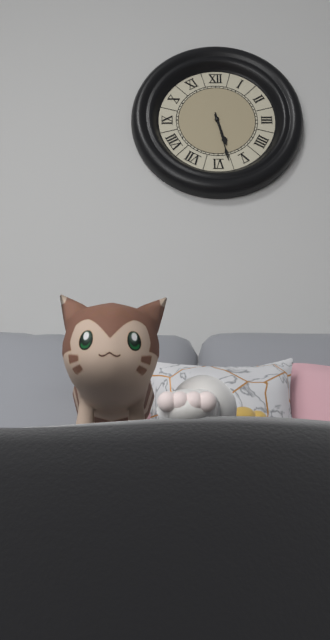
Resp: 5.28
